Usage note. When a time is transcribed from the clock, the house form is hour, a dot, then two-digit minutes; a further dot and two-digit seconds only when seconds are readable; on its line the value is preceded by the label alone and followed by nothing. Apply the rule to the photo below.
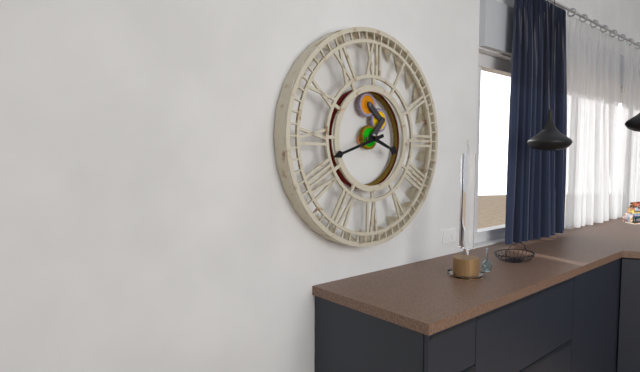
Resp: 3.42
